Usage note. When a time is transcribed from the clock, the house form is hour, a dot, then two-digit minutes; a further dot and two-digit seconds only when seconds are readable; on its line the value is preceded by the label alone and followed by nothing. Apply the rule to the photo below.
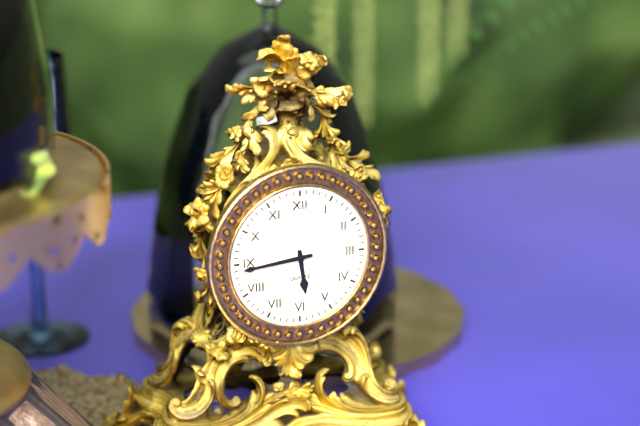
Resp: 5.44
